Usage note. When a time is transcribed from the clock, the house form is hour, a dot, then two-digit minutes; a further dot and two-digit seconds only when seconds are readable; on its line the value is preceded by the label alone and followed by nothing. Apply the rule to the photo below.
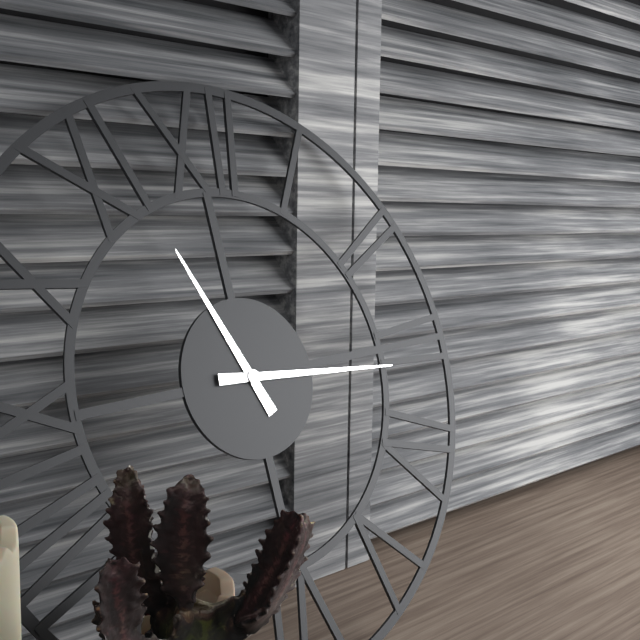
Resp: 11.16
